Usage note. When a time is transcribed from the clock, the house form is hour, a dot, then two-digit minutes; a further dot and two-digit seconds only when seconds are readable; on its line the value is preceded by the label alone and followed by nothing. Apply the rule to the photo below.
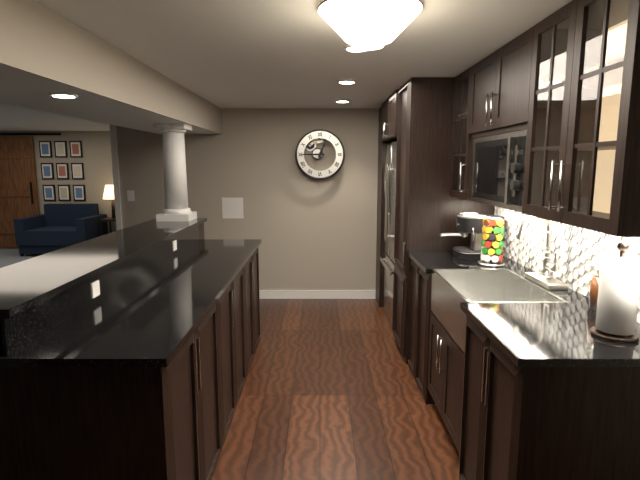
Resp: 12.45
